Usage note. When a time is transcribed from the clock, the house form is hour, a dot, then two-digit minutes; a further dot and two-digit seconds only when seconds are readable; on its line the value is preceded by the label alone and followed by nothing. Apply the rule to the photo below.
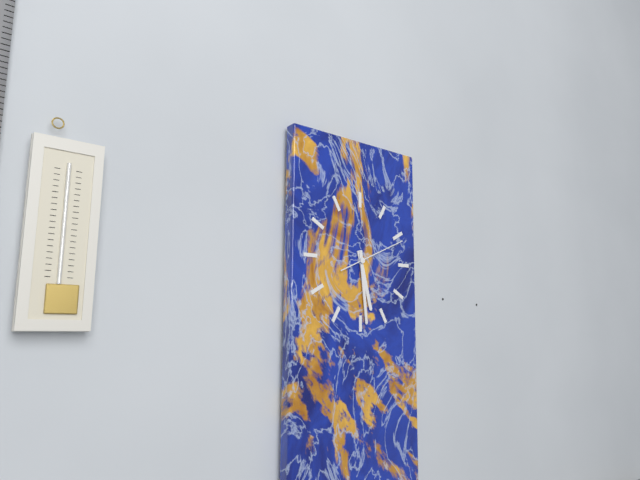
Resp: 5.29.11
